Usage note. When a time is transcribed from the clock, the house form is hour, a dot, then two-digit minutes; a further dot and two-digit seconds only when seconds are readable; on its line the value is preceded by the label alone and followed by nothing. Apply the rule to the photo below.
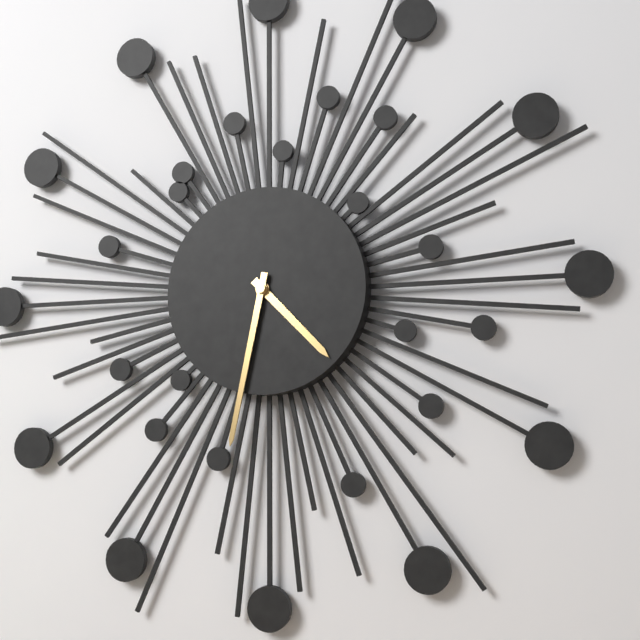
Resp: 4.32
